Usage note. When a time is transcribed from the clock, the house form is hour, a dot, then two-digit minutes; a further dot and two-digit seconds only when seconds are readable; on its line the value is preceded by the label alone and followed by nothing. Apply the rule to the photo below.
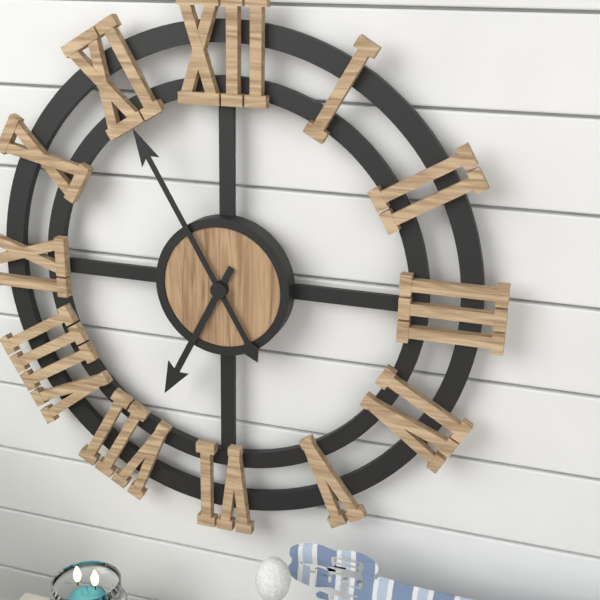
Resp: 6.55
